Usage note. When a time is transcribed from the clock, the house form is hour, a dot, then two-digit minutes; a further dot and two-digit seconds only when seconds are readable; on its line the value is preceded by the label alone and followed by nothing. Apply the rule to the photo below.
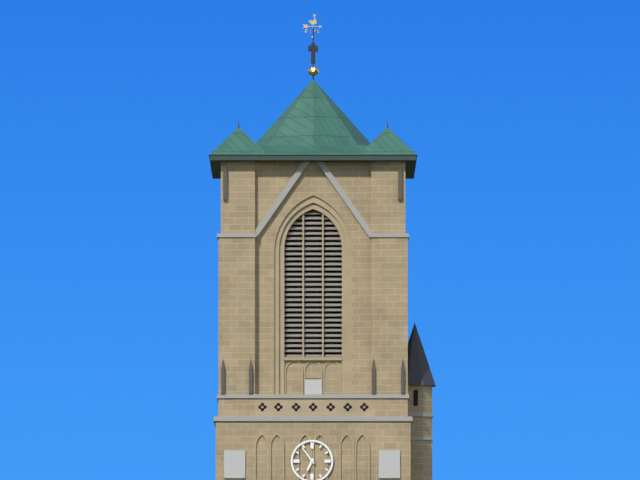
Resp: 6.54
